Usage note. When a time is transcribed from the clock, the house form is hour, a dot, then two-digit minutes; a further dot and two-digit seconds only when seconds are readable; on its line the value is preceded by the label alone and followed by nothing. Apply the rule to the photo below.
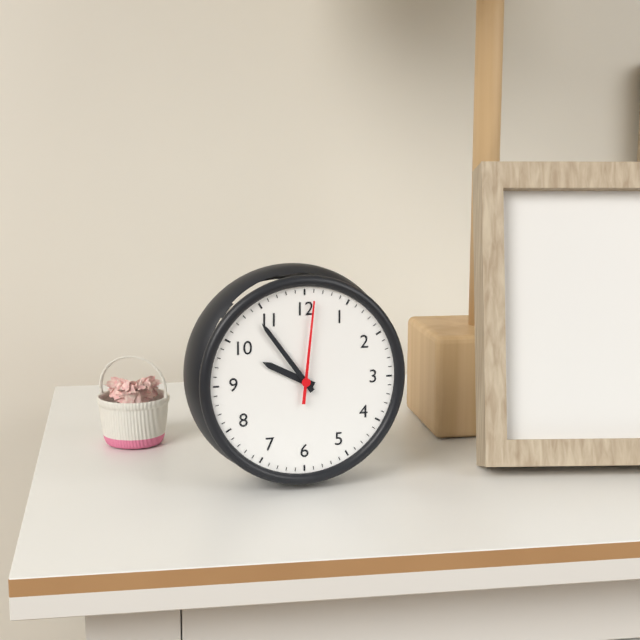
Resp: 9.54.01
